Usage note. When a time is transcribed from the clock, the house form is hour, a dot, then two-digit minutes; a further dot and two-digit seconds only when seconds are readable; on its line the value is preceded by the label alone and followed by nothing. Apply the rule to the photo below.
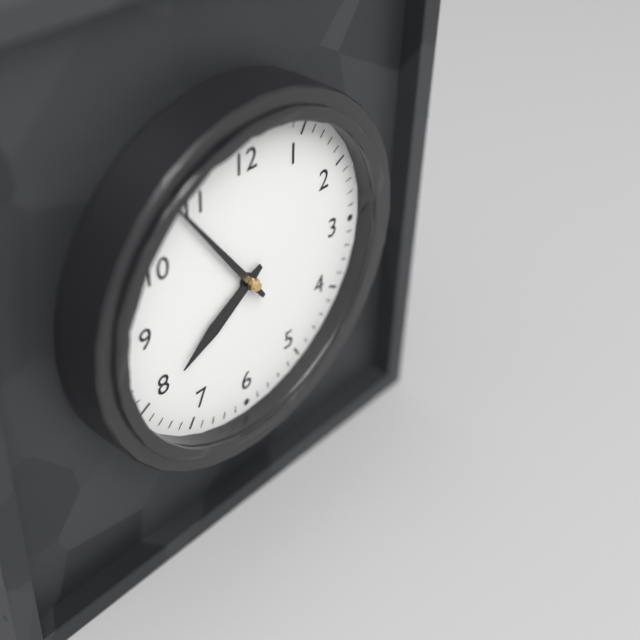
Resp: 7.54
